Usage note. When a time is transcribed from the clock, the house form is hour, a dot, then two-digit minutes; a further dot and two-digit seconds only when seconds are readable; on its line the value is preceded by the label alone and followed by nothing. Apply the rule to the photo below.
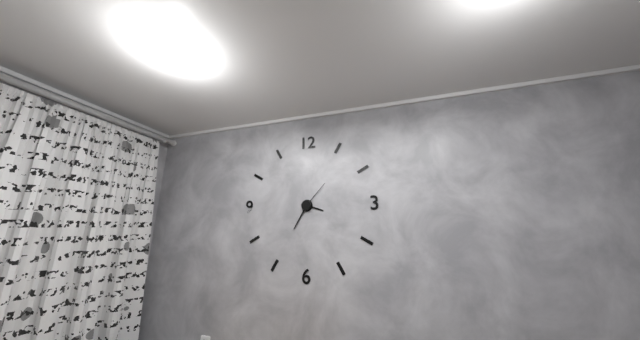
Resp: 3.35
